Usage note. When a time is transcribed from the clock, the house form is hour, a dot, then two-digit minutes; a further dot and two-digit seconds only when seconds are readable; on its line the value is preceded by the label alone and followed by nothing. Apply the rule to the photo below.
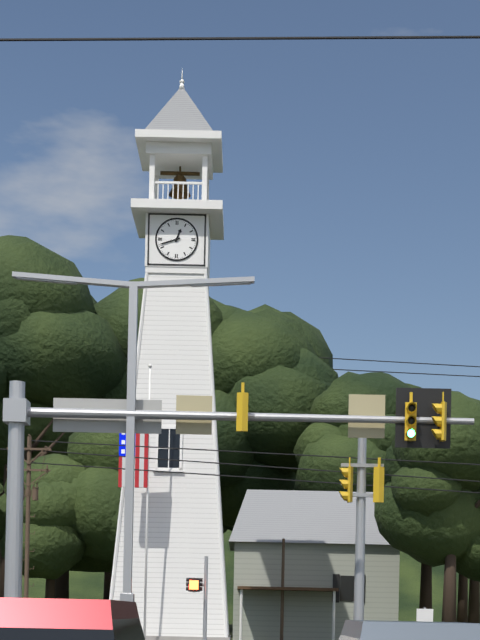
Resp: 12.42
